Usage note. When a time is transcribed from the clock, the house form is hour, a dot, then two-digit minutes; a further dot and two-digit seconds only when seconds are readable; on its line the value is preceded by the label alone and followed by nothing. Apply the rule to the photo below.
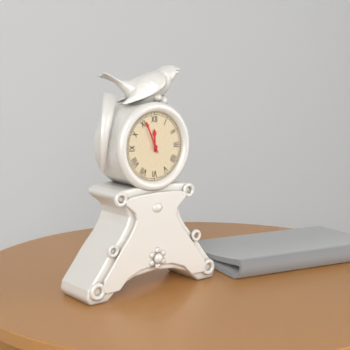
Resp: 11.56
